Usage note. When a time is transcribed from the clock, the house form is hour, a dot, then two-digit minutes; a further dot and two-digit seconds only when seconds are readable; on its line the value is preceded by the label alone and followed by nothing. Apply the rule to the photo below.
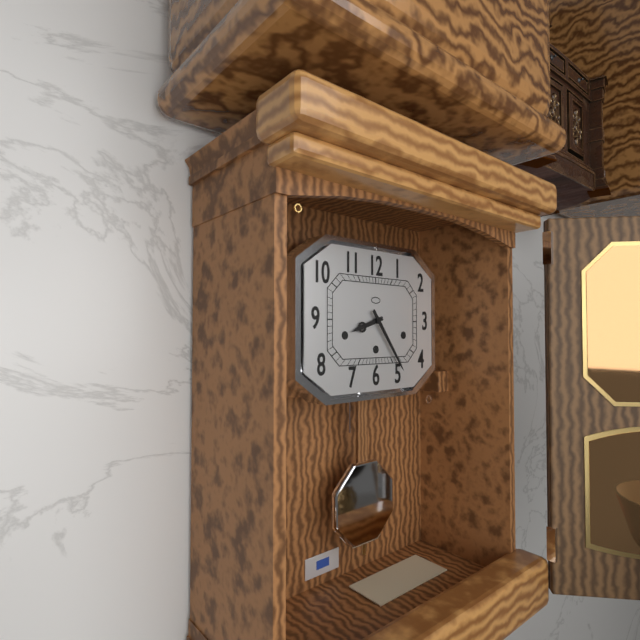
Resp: 8.24
